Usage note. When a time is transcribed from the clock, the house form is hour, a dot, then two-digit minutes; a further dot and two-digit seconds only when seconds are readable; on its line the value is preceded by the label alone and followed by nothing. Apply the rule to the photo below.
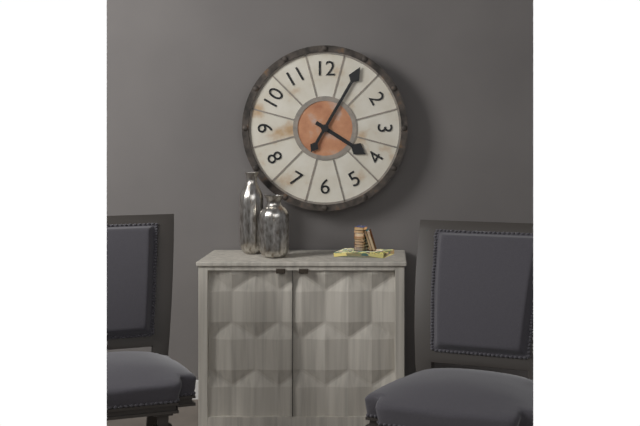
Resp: 4.05
